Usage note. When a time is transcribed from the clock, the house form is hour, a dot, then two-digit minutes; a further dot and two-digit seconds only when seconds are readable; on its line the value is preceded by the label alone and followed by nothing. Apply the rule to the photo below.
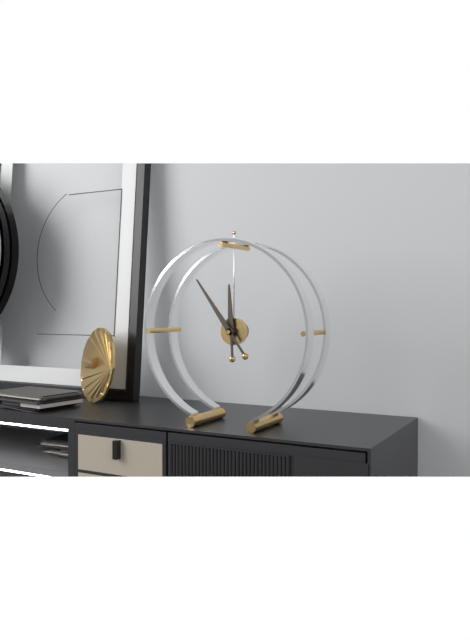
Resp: 11.54
